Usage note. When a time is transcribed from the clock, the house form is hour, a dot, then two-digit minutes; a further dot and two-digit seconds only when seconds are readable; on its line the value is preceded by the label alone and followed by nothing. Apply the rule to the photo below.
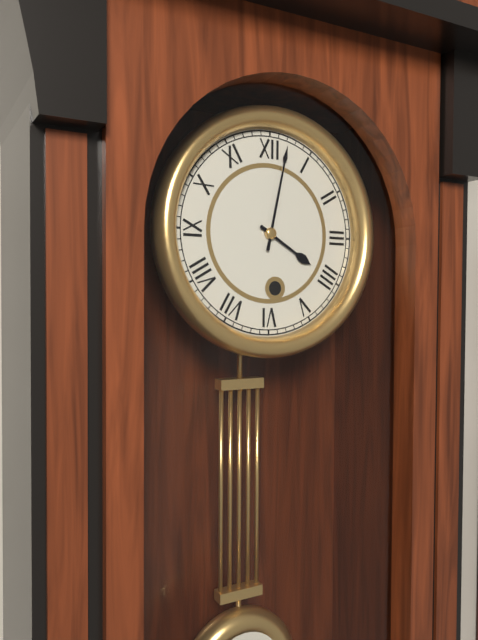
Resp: 4.02
